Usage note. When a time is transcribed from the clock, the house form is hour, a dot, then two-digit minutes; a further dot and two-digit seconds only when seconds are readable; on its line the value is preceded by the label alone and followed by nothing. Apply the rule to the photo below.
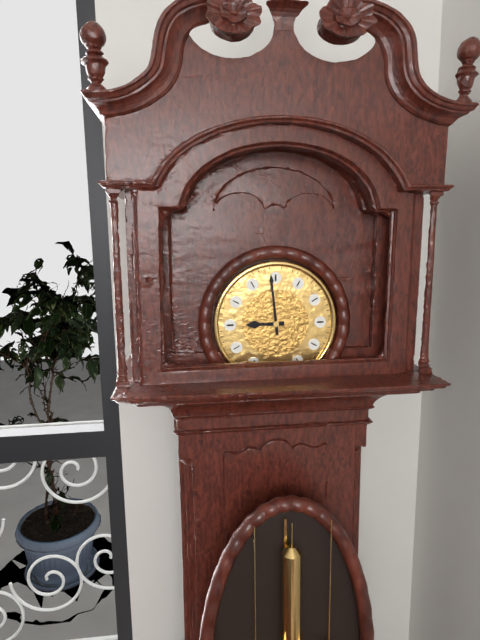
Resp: 8.59
